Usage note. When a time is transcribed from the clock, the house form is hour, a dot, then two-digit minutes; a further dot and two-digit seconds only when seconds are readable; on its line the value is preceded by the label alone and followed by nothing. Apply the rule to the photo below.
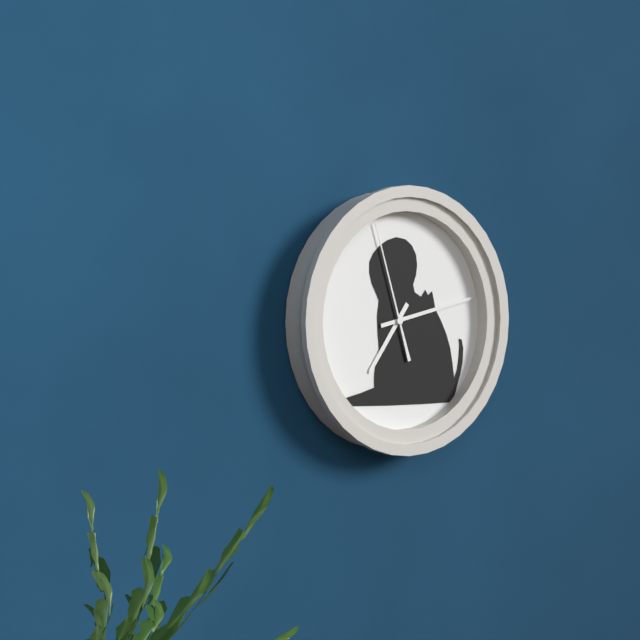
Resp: 7.13.57
